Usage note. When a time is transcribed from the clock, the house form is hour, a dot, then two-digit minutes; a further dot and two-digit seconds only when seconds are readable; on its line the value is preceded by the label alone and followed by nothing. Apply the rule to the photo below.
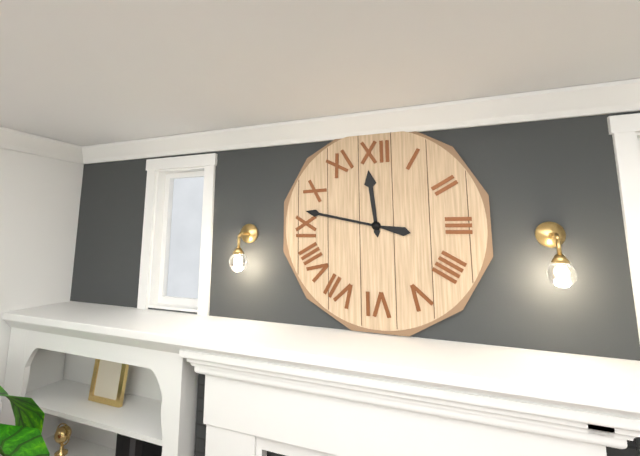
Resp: 11.47
